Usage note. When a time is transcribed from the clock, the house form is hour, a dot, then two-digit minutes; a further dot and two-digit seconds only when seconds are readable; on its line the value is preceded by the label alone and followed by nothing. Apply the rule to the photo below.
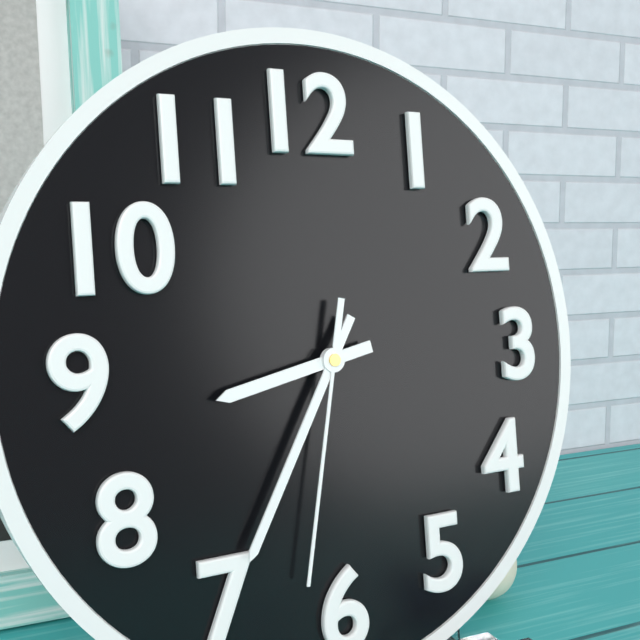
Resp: 8.35.32
